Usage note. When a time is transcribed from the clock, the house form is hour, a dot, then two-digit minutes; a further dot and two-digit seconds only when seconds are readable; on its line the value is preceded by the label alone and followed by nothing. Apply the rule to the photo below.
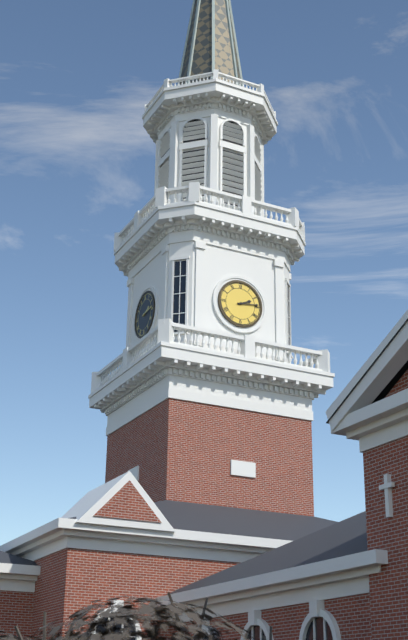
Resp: 2.14
